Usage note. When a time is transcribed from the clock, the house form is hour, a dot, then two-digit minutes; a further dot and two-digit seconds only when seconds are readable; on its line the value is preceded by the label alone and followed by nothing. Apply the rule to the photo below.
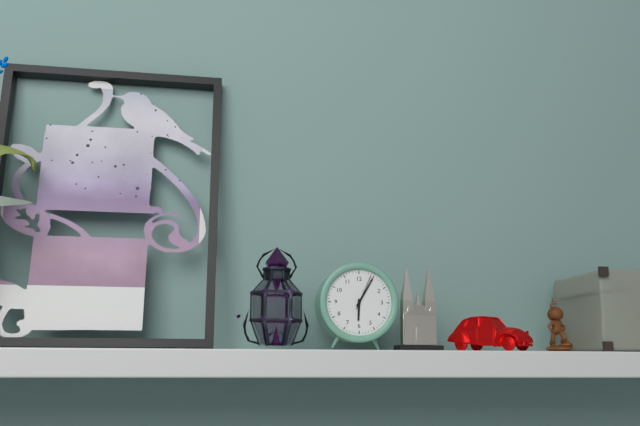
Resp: 6.05
